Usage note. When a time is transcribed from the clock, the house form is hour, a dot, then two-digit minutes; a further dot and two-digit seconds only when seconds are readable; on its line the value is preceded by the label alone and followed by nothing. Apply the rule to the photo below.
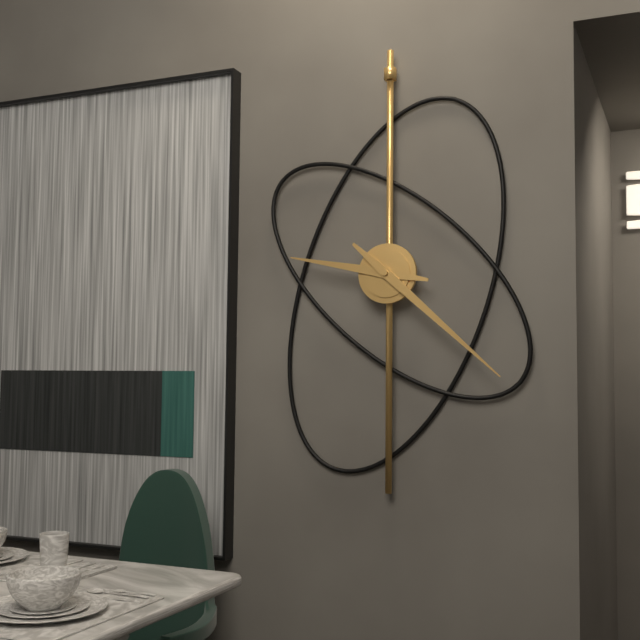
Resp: 9.22
